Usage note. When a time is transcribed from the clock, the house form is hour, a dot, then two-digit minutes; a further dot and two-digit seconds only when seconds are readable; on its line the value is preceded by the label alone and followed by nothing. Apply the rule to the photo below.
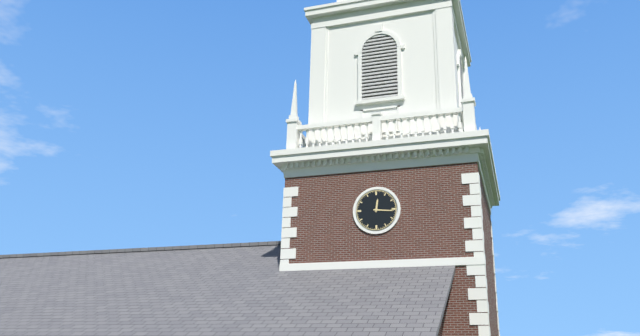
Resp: 12.16
